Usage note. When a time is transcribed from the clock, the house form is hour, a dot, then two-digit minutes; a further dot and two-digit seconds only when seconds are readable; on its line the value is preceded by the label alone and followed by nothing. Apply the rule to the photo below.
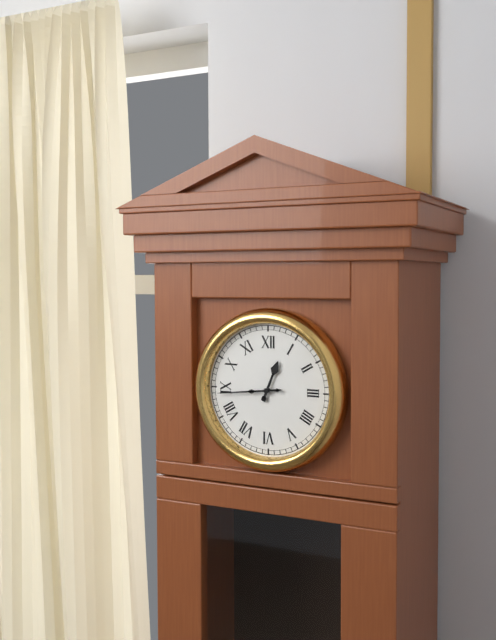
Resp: 12.44
